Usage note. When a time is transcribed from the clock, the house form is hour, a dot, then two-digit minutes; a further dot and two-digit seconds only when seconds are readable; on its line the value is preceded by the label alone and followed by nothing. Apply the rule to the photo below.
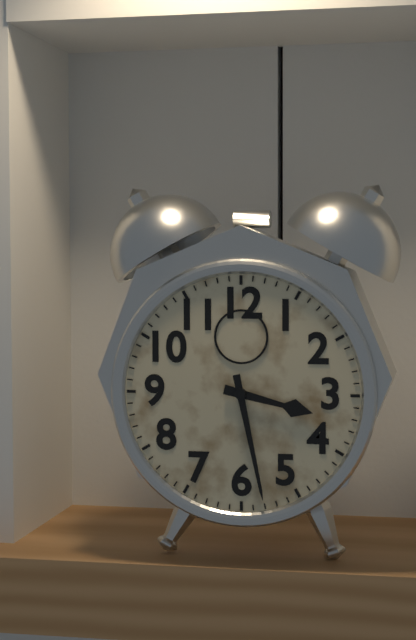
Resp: 3.28
